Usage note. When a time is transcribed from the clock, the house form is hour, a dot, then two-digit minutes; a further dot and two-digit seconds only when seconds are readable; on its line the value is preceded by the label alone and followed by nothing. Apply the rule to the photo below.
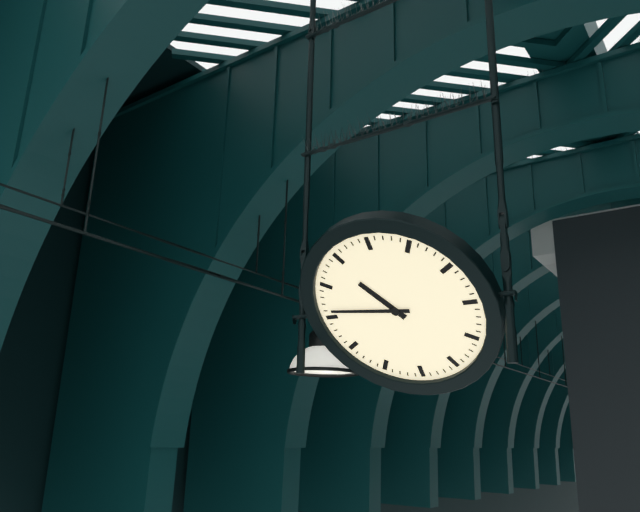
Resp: 10.46
